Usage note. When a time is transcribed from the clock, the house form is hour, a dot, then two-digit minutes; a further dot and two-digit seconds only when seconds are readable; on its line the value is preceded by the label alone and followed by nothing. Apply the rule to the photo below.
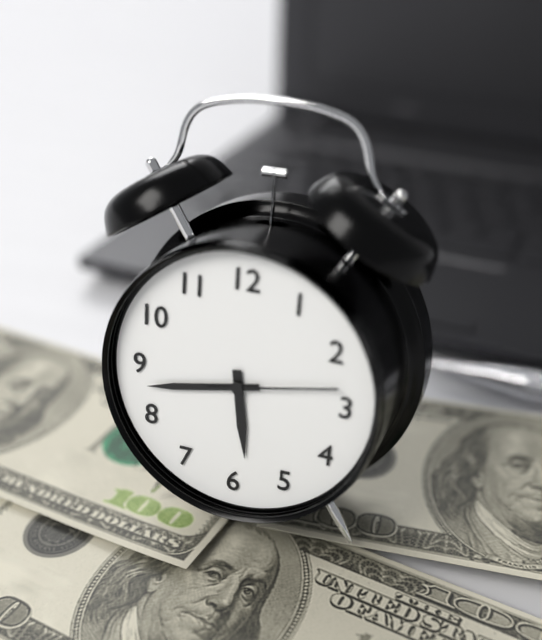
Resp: 5.43.13
